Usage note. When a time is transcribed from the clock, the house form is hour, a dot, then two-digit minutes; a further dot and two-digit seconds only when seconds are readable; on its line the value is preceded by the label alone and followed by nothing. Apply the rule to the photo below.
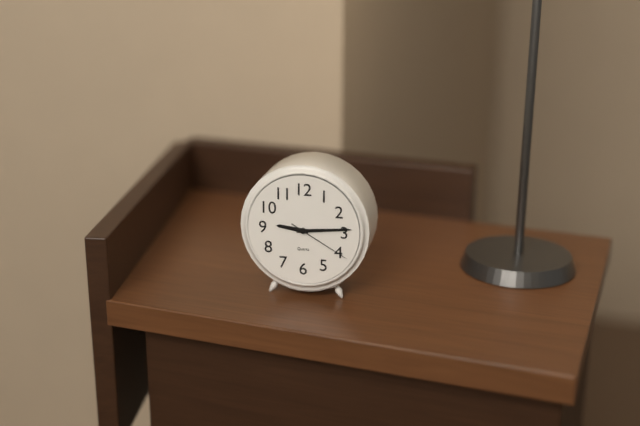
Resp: 9.14.20
